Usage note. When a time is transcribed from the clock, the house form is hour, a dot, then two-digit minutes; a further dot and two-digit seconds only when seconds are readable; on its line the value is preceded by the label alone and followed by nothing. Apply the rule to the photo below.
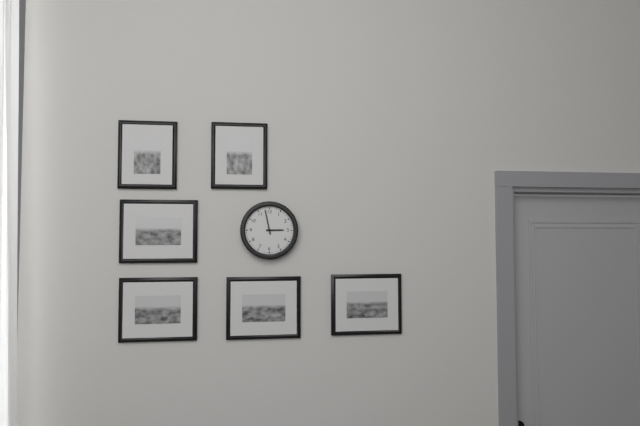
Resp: 2.58
